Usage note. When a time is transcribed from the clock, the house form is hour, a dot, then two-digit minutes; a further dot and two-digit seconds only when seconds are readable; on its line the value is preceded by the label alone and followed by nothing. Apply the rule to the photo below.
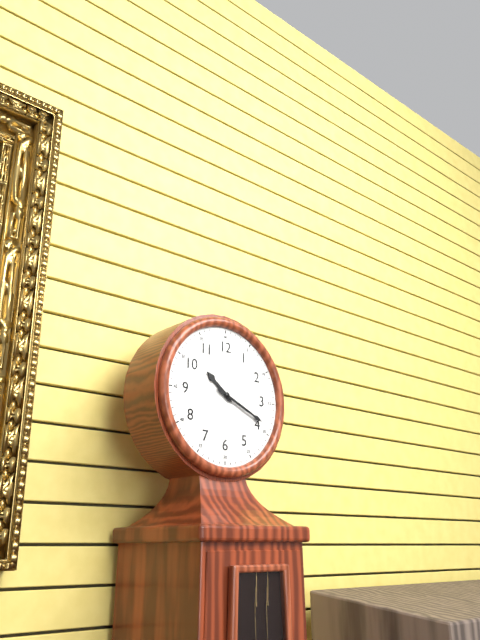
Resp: 10.19
